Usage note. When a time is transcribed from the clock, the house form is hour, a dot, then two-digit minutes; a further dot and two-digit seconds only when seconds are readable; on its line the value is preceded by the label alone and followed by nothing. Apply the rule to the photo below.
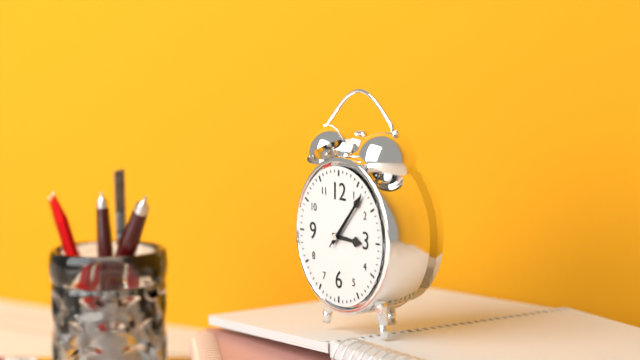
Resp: 3.07.07
